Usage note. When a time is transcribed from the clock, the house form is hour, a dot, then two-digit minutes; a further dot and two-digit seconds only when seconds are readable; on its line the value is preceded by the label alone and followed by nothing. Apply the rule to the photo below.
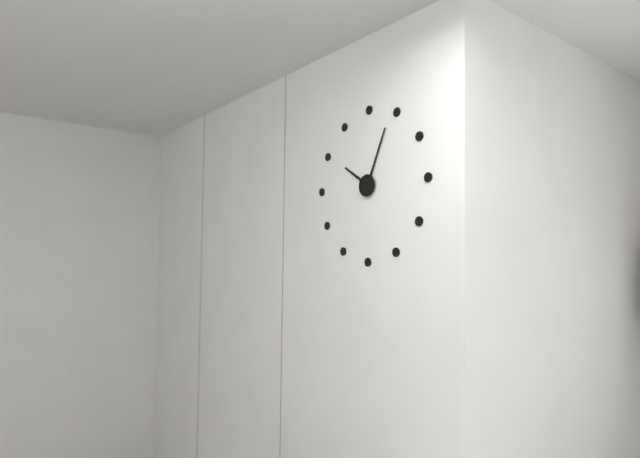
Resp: 10.04
